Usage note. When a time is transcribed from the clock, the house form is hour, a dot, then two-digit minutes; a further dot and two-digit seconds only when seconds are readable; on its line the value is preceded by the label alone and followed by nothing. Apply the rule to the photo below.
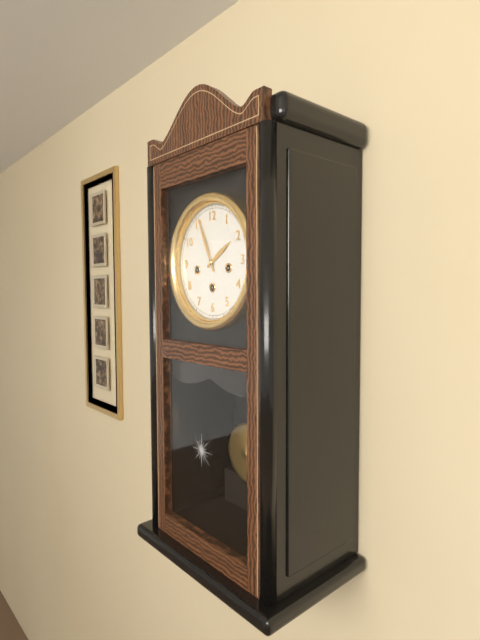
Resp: 1.56
